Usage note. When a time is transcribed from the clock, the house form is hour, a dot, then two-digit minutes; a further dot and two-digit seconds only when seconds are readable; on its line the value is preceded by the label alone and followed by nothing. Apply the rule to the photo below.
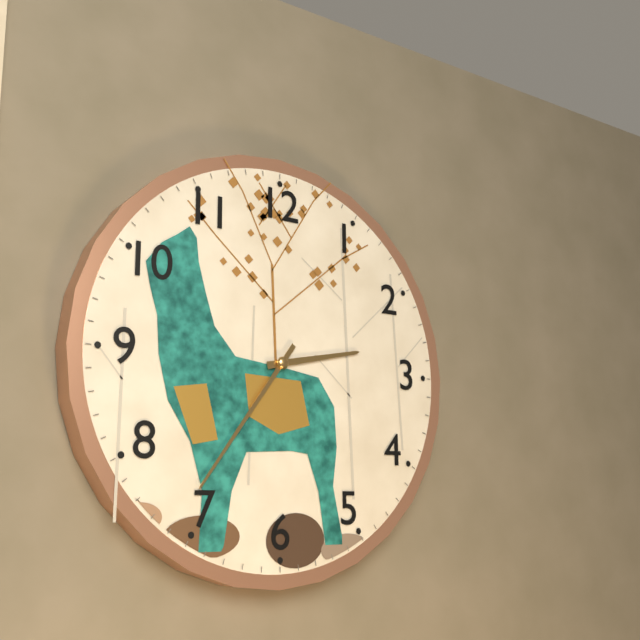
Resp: 2.36
